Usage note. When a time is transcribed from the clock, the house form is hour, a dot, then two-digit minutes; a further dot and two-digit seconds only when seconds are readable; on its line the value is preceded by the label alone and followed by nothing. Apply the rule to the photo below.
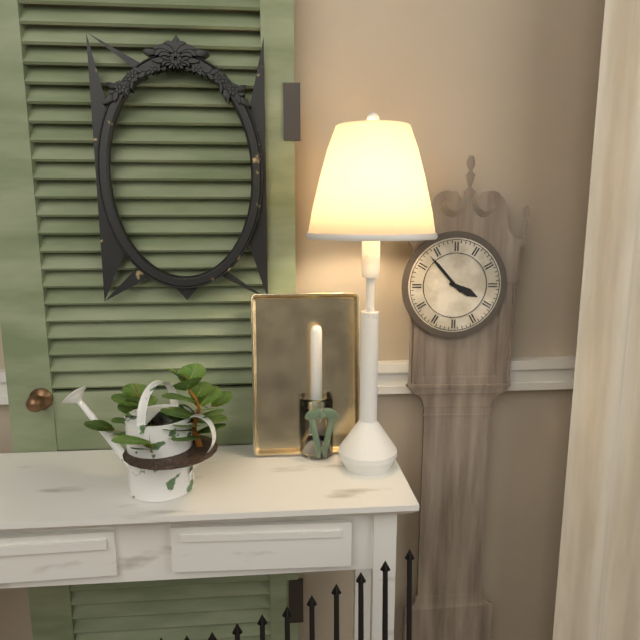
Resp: 3.53
